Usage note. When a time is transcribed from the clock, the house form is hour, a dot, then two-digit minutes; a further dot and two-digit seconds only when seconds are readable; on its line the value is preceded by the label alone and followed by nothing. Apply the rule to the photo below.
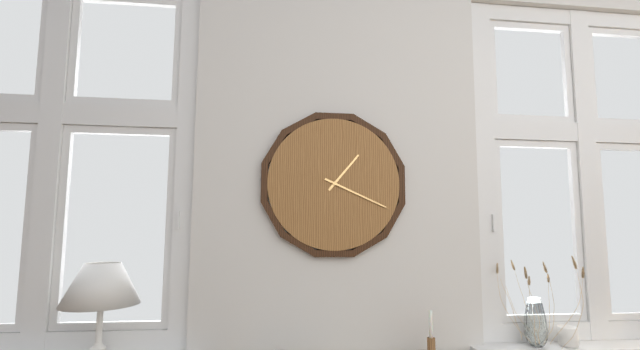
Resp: 1.19
